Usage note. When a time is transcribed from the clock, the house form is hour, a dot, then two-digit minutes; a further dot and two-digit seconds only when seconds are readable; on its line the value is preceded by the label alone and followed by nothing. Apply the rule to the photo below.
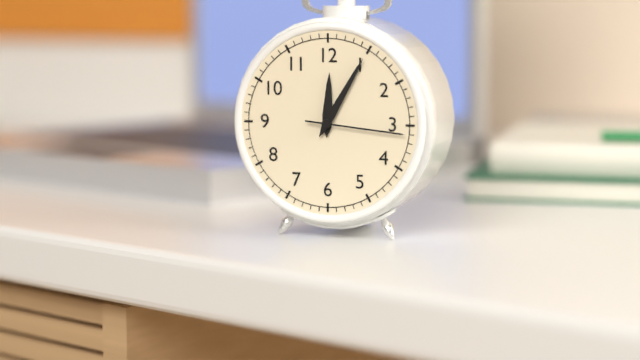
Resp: 12.05.16
